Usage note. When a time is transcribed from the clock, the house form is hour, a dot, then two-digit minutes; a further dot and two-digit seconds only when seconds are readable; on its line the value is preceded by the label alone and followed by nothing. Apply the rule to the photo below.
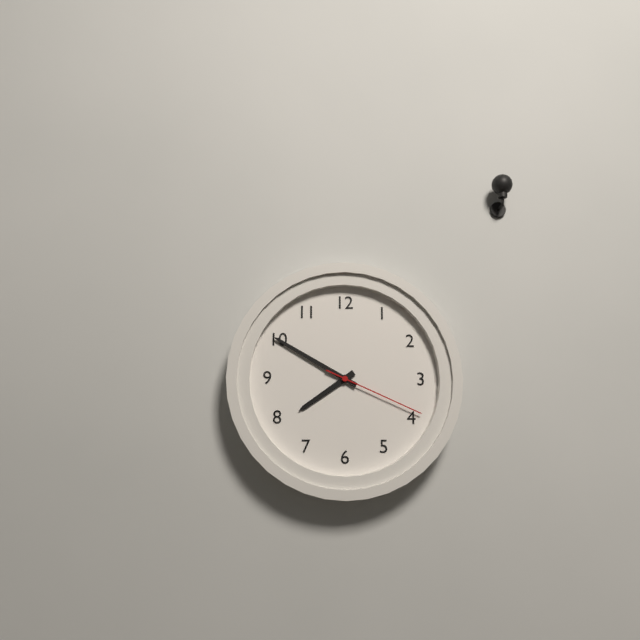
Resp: 7.50.19
